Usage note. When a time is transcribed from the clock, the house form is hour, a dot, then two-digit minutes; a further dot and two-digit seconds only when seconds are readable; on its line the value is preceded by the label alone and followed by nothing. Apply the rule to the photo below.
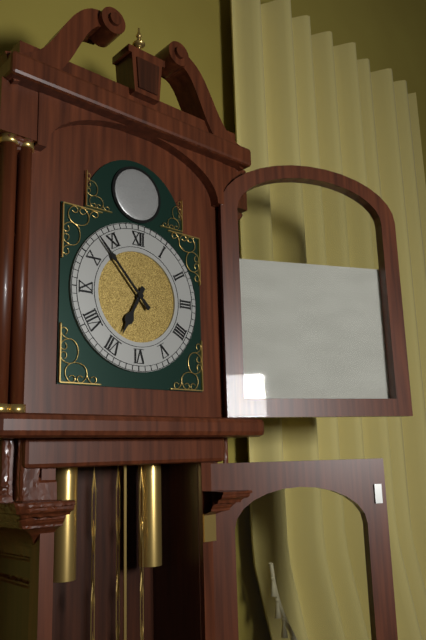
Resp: 6.53
